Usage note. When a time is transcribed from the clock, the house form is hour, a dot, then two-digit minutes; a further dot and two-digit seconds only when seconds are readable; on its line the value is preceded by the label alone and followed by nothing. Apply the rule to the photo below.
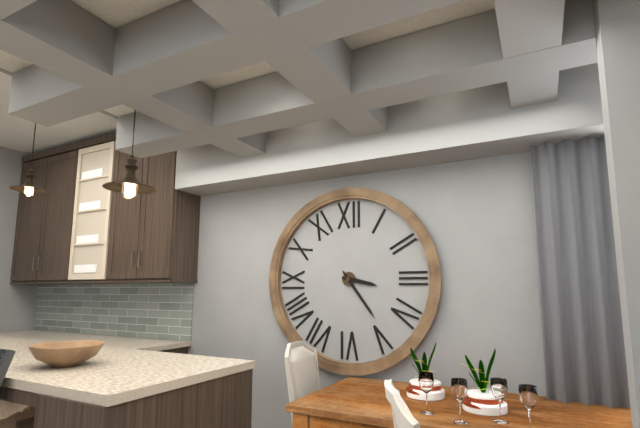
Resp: 3.24
